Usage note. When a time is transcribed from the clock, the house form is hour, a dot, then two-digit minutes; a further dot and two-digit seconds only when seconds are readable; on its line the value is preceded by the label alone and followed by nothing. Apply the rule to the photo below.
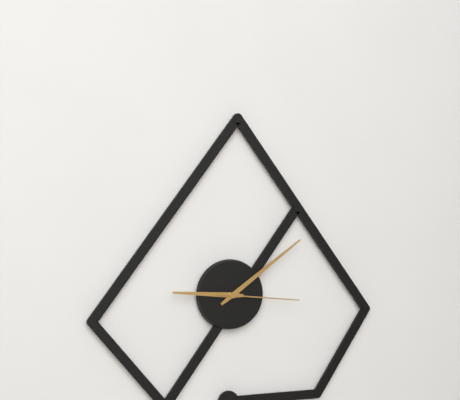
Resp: 9.09.16
